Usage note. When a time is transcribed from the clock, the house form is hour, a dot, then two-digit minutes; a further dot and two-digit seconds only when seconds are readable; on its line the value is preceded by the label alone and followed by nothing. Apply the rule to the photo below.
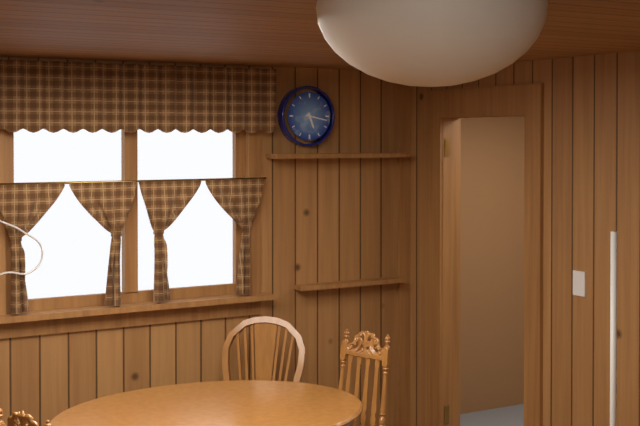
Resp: 5.17
